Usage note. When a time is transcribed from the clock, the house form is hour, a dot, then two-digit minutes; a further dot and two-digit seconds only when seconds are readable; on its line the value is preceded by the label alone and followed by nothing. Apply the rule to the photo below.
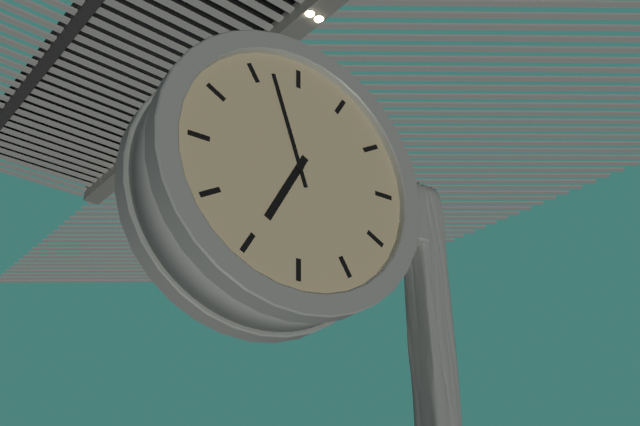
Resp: 6.57
